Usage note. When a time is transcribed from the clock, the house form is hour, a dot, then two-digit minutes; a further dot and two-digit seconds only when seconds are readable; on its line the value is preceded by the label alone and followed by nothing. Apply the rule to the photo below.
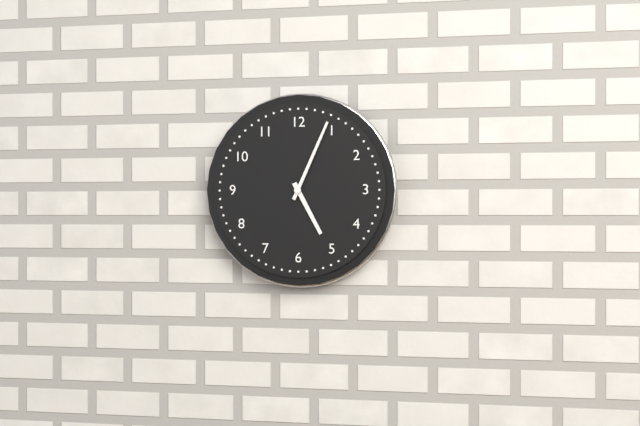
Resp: 5.04
